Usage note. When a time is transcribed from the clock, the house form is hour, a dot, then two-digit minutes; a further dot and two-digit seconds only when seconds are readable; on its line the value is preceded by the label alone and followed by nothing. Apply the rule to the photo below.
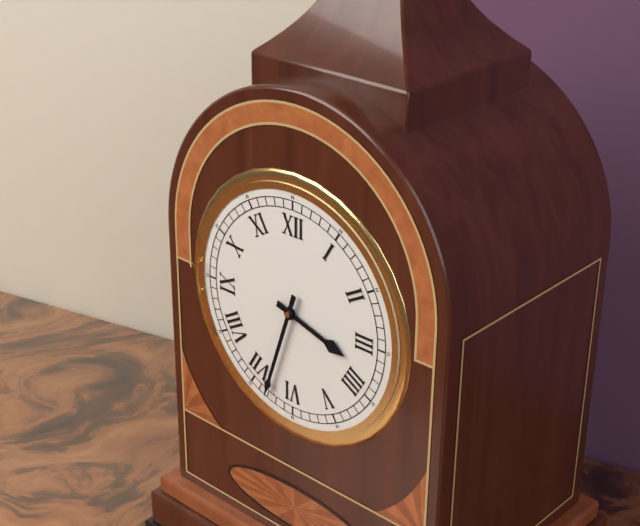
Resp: 3.33
